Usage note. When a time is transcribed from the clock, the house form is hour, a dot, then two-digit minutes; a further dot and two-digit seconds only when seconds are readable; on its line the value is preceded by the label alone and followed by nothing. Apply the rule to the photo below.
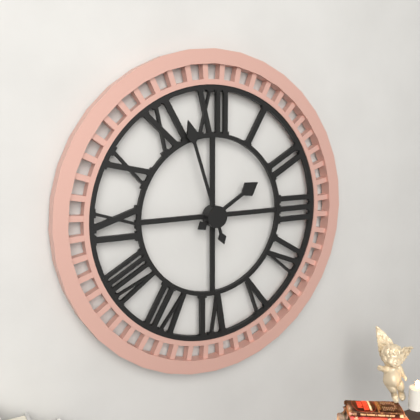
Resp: 1.57
